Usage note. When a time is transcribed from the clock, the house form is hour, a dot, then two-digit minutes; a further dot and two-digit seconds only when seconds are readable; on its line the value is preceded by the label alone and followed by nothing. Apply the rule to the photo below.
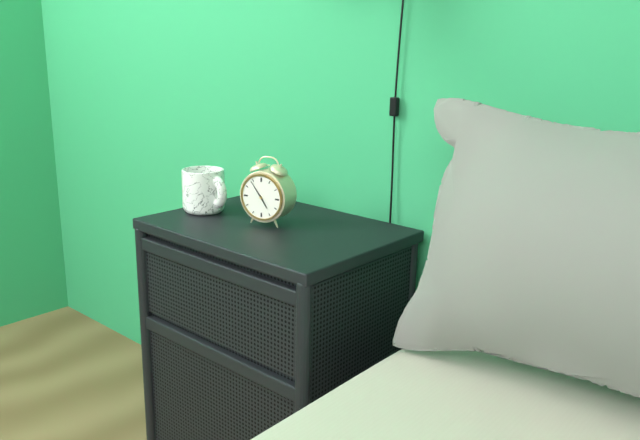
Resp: 4.54
